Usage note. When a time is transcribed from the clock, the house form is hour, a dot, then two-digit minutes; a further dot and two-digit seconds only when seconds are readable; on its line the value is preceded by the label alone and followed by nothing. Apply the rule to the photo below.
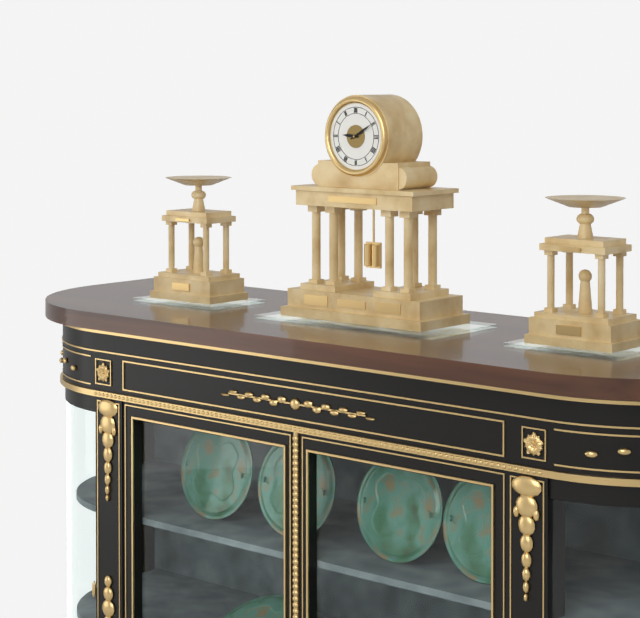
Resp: 9.10
